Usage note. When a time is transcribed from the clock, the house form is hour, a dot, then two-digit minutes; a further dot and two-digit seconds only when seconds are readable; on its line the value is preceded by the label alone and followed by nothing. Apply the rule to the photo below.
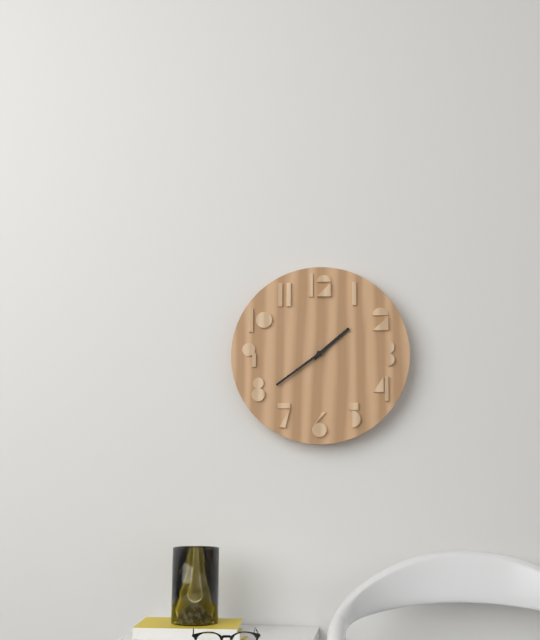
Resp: 1.39
